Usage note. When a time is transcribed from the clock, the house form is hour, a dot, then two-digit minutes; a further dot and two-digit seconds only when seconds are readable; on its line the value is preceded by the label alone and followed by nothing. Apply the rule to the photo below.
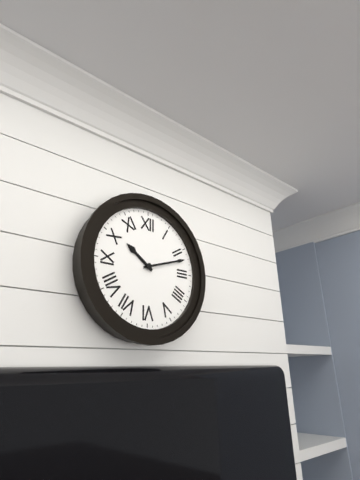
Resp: 10.12
